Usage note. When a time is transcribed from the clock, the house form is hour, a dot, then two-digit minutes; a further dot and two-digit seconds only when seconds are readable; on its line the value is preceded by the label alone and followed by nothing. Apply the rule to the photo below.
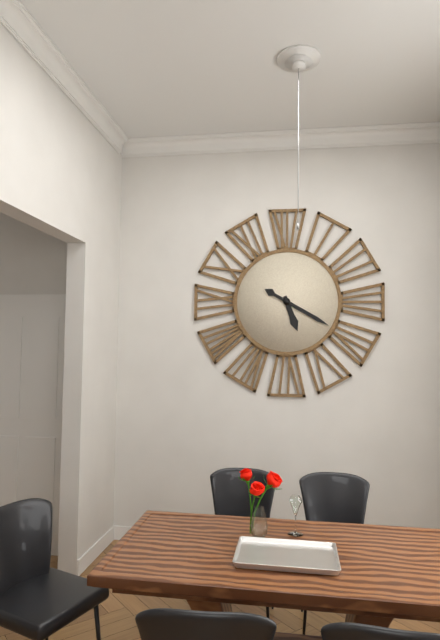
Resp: 5.20
